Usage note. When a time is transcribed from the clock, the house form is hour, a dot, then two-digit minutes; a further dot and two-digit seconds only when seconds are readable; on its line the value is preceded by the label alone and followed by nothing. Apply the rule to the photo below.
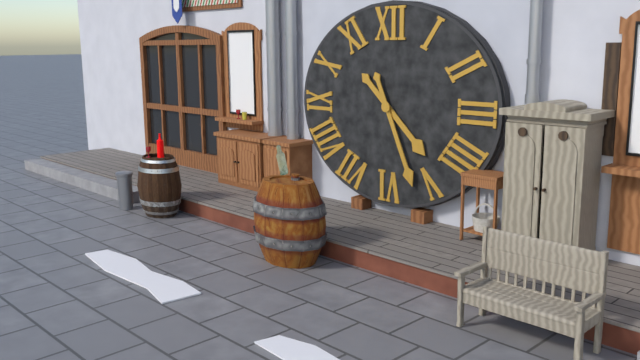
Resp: 4.26
